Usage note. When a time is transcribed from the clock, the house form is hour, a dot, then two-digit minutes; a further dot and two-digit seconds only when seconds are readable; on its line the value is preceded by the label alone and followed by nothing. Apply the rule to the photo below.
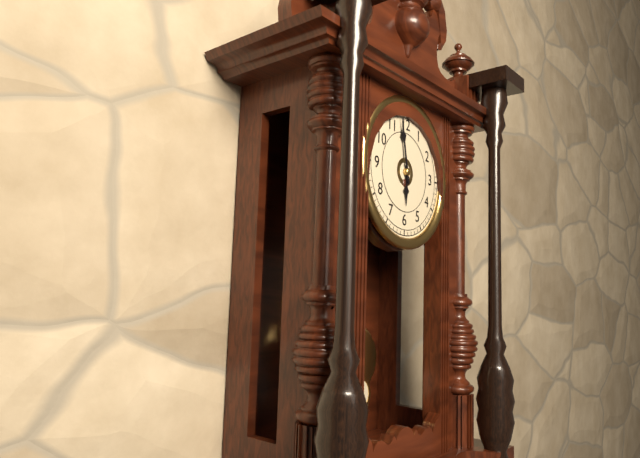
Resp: 5.58
